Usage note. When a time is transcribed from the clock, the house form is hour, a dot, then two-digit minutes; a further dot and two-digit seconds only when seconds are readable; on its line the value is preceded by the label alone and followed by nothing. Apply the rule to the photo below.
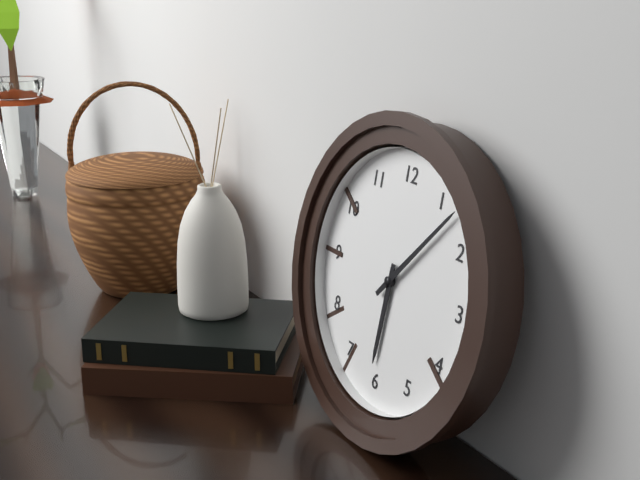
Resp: 6.07
